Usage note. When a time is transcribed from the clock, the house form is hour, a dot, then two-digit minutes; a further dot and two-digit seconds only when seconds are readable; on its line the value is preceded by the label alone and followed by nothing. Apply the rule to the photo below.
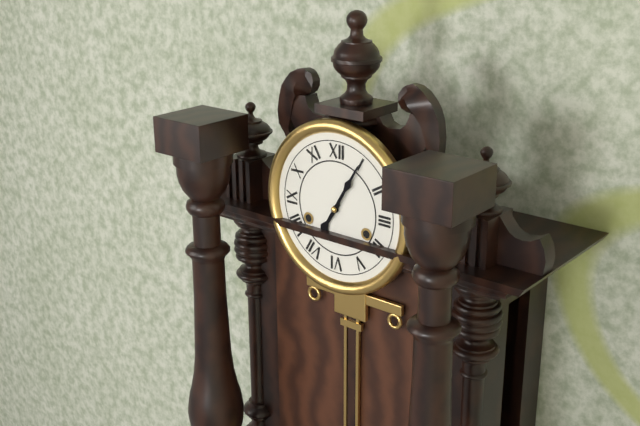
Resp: 7.05
